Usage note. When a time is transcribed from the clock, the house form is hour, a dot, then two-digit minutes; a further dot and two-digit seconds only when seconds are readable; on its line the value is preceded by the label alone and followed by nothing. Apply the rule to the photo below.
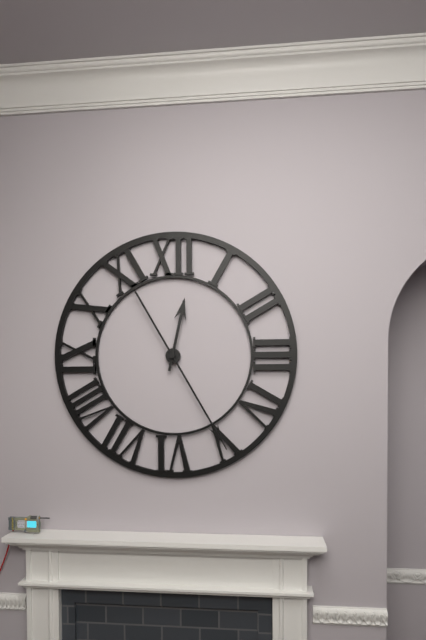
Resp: 12.25.25
